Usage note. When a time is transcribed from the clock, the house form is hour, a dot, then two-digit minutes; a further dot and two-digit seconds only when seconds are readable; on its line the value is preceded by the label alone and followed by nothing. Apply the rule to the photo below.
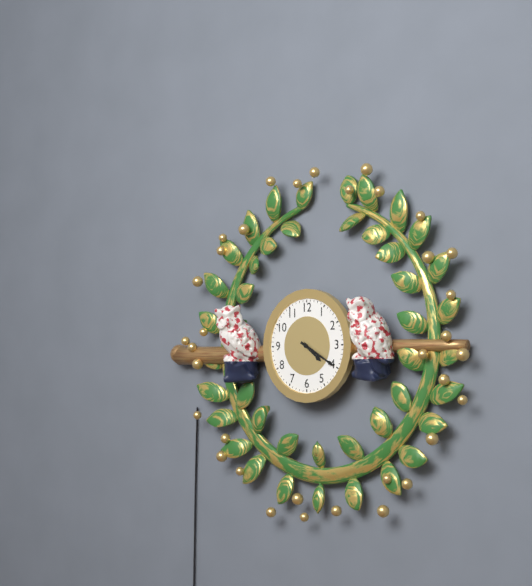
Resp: 4.20
